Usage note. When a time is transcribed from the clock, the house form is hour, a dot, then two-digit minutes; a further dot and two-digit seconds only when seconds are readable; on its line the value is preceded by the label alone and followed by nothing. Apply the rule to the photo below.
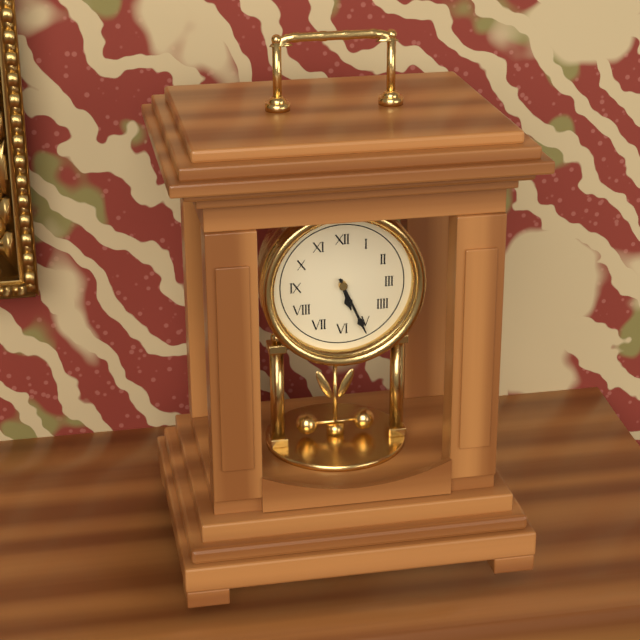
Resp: 5.26
